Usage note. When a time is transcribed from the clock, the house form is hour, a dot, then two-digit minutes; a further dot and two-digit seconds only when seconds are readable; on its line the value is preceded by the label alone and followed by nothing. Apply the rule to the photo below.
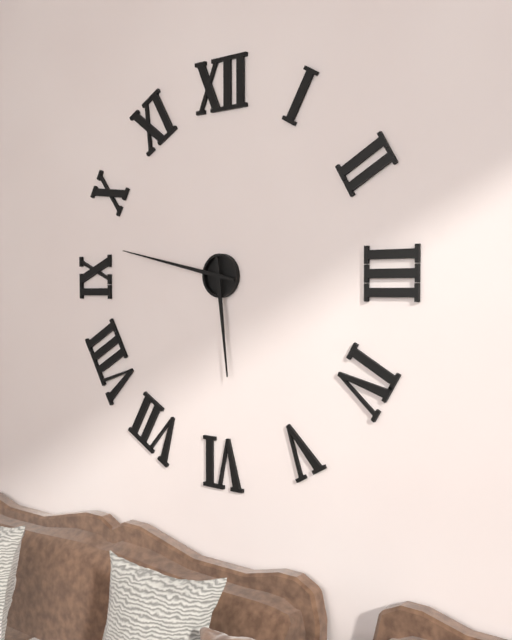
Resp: 5.47
